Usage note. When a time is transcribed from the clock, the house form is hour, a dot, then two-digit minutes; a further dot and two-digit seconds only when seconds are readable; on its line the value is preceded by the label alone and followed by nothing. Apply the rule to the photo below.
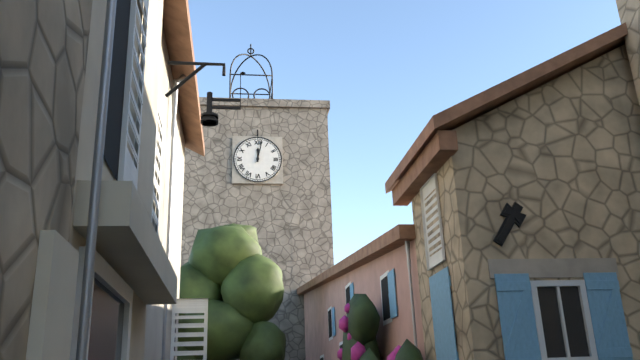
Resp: 12.02
